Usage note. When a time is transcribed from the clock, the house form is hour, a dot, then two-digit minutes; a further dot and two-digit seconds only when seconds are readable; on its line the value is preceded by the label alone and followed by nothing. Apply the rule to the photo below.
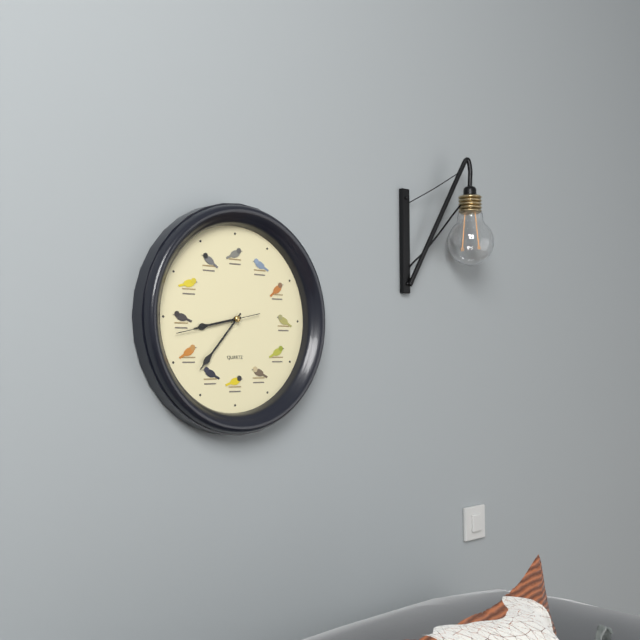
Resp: 8.37.43
